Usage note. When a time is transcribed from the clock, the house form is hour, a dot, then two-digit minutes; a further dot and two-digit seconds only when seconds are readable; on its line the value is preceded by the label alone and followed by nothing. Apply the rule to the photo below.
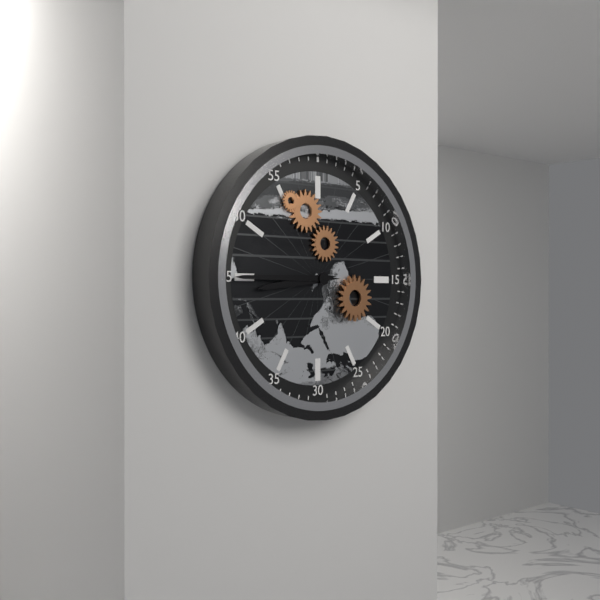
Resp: 8.45
